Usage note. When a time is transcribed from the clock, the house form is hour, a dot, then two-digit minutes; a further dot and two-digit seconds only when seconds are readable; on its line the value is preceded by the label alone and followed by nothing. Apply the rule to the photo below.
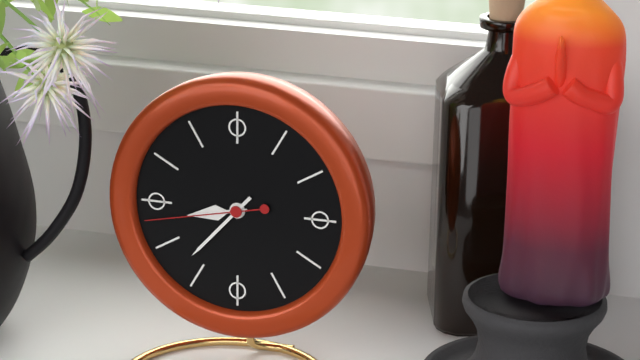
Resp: 8.37.43
